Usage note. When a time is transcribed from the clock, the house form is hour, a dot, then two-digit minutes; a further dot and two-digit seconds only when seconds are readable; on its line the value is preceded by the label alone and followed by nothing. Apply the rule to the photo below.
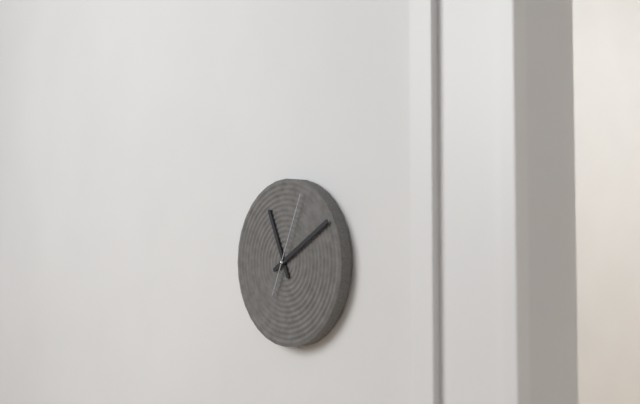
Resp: 11.10.04
